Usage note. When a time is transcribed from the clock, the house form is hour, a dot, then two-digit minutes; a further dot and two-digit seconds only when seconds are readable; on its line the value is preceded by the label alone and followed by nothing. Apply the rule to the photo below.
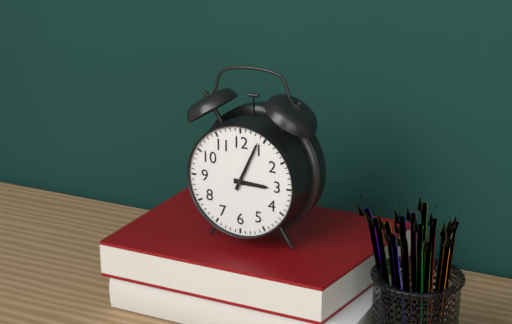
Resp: 3.04
